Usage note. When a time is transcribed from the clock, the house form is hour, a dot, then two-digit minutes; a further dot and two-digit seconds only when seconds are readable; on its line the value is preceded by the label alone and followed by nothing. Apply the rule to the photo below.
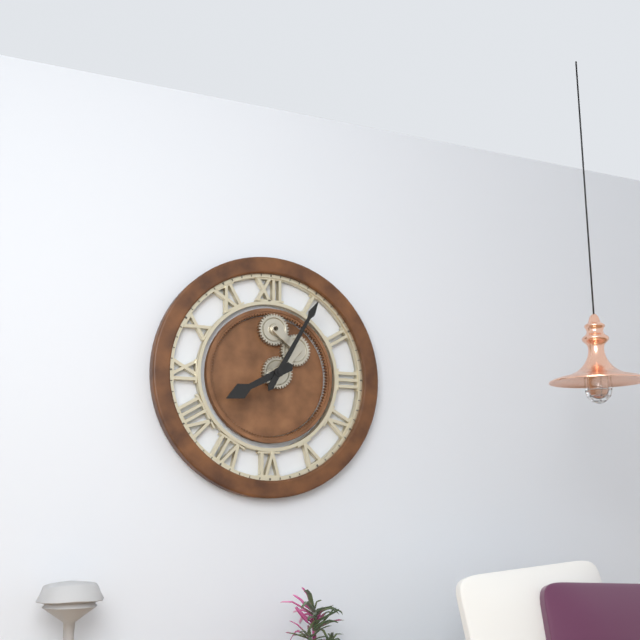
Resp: 8.05
